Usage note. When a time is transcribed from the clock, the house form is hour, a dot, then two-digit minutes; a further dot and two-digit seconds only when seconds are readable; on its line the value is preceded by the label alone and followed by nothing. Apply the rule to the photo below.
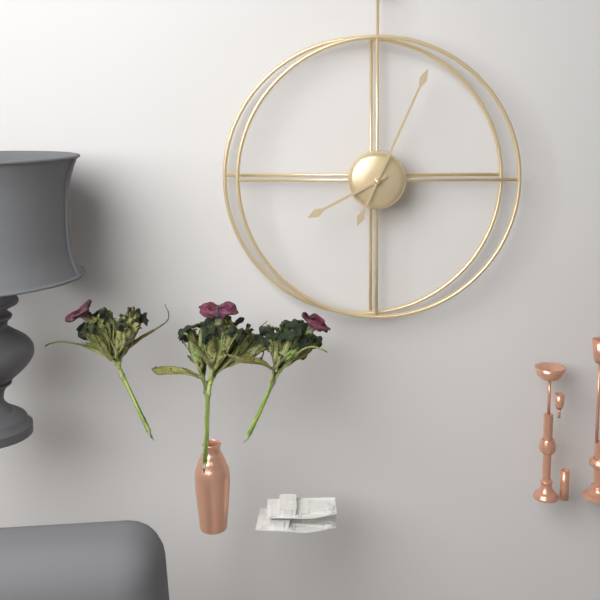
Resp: 8.04
